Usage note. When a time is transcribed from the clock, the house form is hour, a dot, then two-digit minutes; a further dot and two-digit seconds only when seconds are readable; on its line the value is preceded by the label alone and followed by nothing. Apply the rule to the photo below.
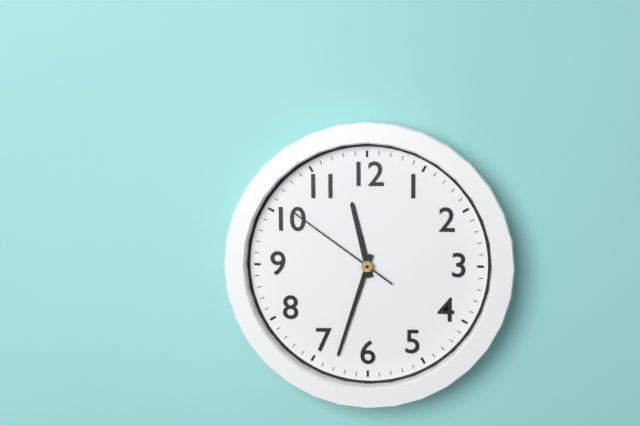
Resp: 11.33.51
